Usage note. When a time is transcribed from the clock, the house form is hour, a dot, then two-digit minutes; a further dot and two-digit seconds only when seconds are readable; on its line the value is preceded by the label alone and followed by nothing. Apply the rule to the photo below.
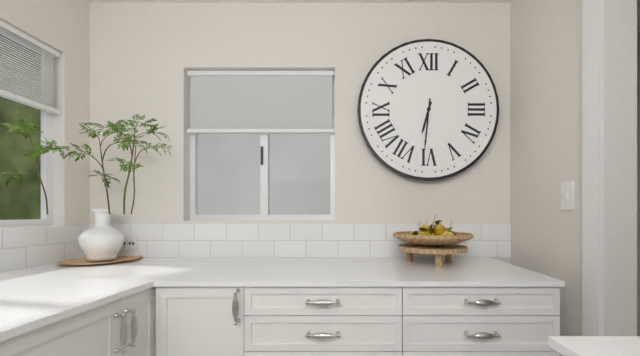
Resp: 6.31
